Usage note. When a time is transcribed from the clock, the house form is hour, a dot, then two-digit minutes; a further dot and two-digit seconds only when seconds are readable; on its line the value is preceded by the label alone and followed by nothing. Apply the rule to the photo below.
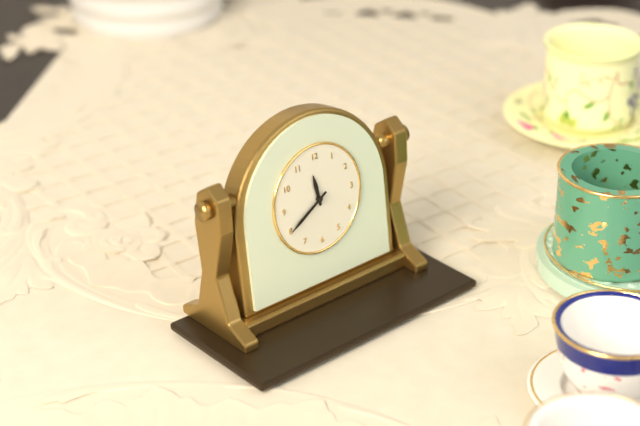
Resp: 11.40
